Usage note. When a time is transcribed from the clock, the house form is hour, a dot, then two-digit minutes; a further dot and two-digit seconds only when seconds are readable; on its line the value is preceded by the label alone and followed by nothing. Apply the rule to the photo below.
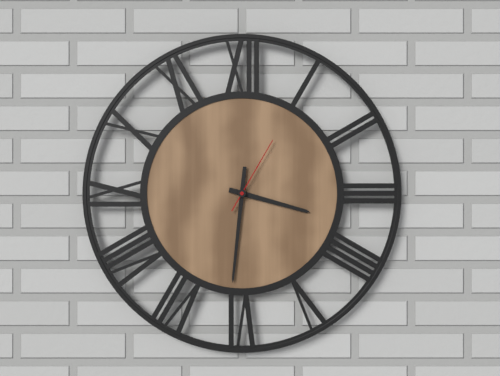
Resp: 3.31.05
